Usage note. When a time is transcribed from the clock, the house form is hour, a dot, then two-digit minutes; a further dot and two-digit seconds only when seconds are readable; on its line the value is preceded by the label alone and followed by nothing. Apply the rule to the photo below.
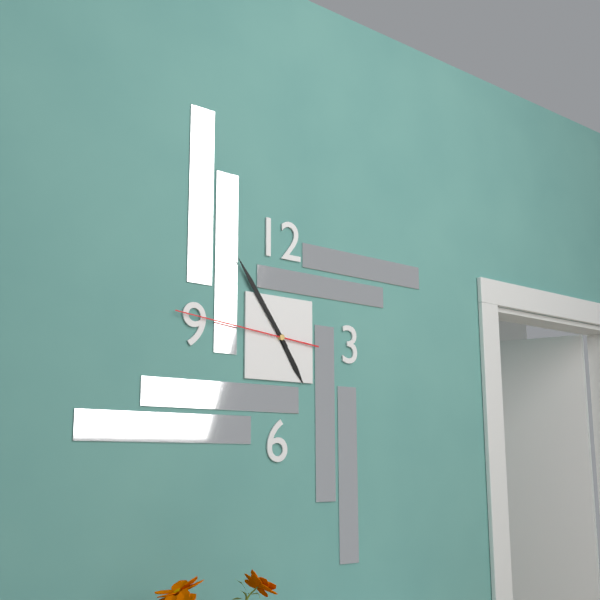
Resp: 4.54.46
